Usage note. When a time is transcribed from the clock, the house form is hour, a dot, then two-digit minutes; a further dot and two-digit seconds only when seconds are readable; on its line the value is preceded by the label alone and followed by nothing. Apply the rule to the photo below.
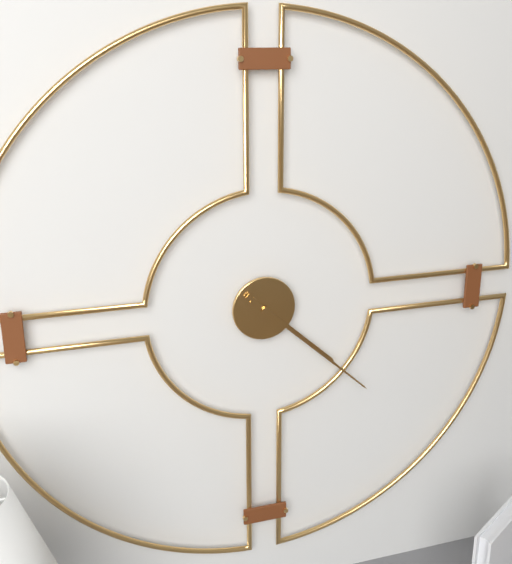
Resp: 4.22
